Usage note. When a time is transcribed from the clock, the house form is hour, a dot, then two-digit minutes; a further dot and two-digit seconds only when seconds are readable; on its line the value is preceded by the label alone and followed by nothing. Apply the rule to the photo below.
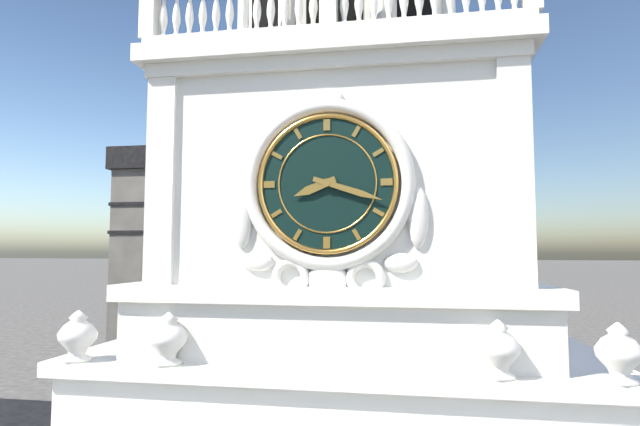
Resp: 8.18
